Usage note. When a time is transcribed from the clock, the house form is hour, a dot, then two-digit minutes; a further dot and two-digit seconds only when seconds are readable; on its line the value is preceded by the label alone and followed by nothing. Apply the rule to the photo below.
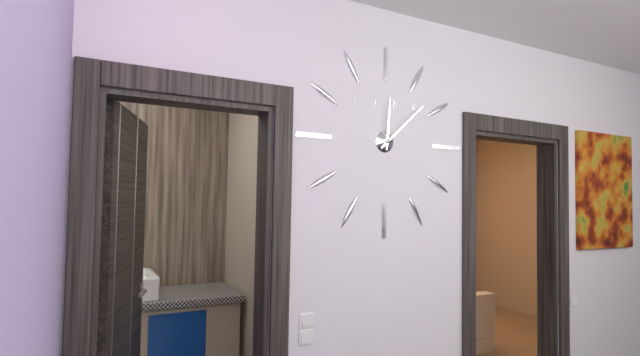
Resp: 12.08
